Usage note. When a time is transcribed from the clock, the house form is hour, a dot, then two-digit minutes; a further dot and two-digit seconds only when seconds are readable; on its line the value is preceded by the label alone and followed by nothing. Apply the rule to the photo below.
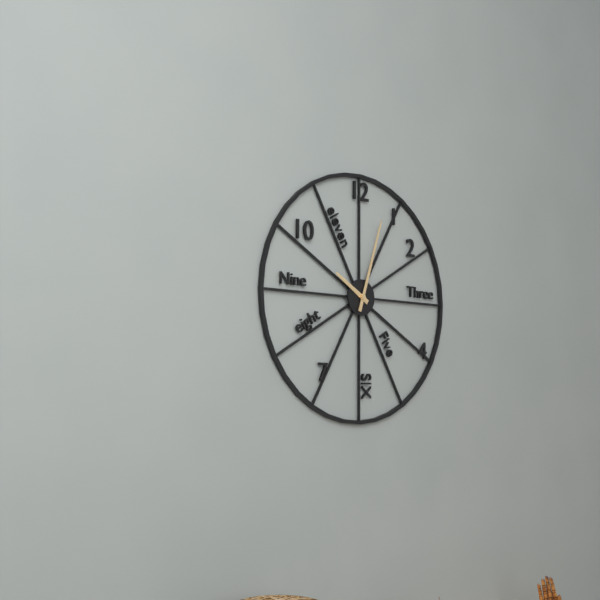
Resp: 10.03
